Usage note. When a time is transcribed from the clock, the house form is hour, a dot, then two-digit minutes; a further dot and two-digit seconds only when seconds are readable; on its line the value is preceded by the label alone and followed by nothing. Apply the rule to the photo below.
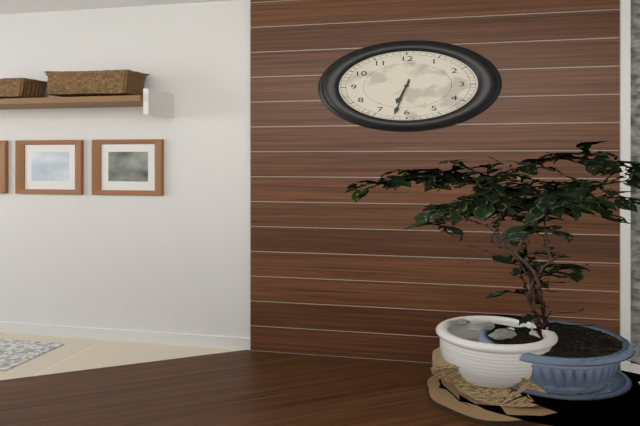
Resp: 6.32
